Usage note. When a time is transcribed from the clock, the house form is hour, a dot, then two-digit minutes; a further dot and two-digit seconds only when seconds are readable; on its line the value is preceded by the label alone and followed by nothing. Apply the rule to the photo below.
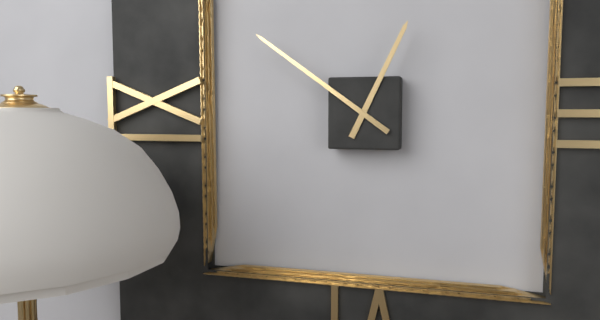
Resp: 12.51
